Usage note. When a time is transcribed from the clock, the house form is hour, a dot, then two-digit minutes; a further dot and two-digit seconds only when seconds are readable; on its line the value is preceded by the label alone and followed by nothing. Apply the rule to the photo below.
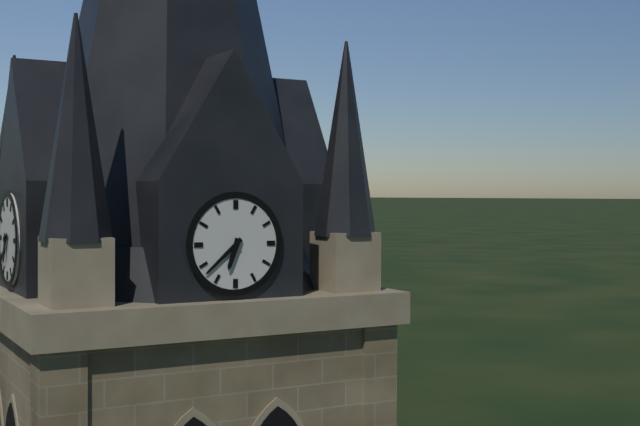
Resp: 6.38
